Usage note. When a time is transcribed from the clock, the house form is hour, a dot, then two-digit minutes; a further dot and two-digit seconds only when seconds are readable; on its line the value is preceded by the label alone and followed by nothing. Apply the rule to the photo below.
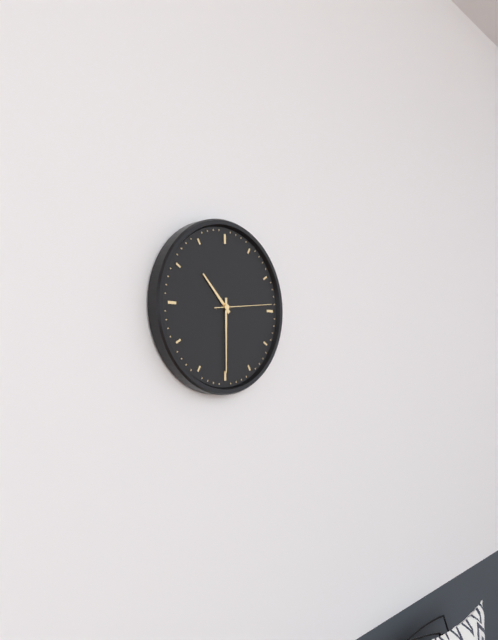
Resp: 10.30.14
